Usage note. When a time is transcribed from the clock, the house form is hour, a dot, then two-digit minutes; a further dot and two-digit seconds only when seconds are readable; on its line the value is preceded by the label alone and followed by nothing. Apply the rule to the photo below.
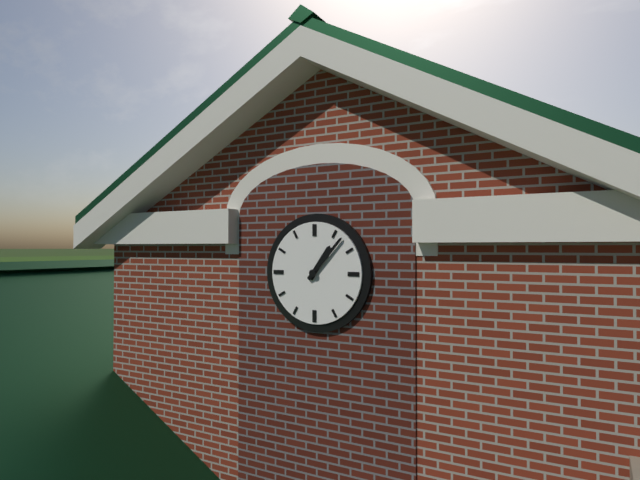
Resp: 1.07
